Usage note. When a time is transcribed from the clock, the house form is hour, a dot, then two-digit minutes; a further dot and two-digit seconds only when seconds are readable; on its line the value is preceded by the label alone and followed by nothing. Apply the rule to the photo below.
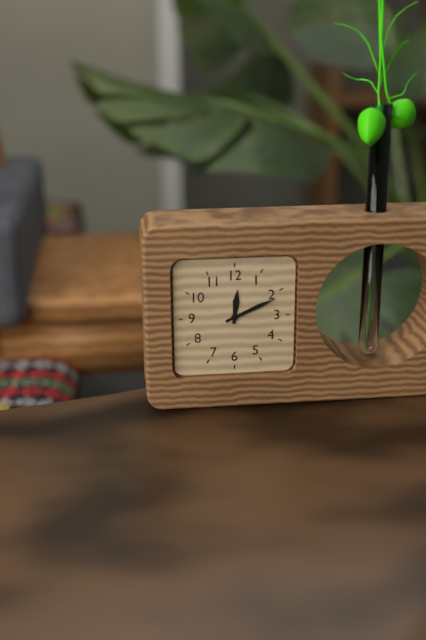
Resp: 12.11
